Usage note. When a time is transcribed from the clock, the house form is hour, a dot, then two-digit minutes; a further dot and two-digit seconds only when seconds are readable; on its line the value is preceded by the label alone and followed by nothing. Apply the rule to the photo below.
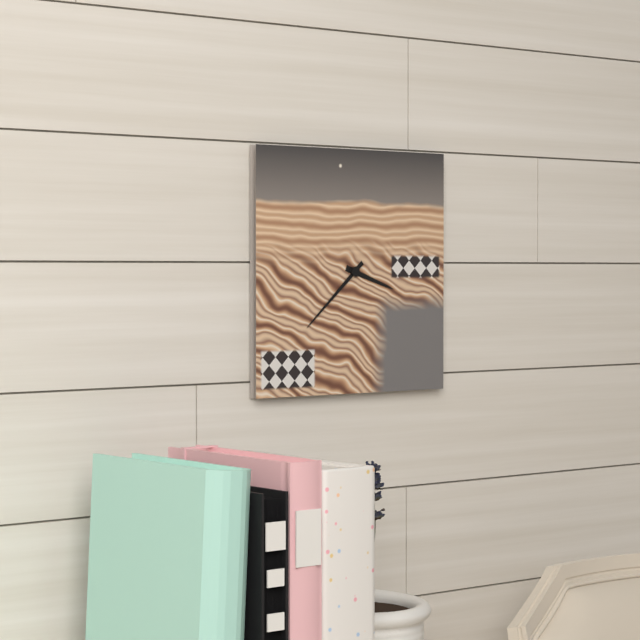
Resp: 3.38
